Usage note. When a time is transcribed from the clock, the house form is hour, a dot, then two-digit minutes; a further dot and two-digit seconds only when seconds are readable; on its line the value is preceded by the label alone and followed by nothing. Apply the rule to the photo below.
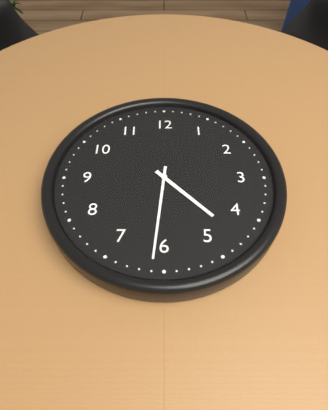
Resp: 4.31
